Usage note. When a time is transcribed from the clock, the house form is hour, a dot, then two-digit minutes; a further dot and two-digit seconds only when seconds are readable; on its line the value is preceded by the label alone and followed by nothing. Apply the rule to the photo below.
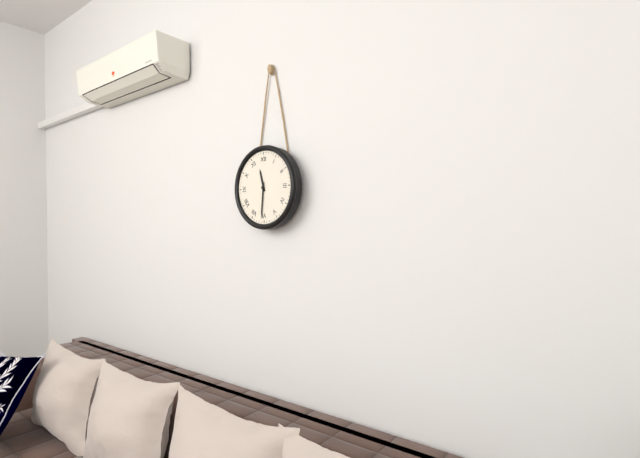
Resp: 11.31
